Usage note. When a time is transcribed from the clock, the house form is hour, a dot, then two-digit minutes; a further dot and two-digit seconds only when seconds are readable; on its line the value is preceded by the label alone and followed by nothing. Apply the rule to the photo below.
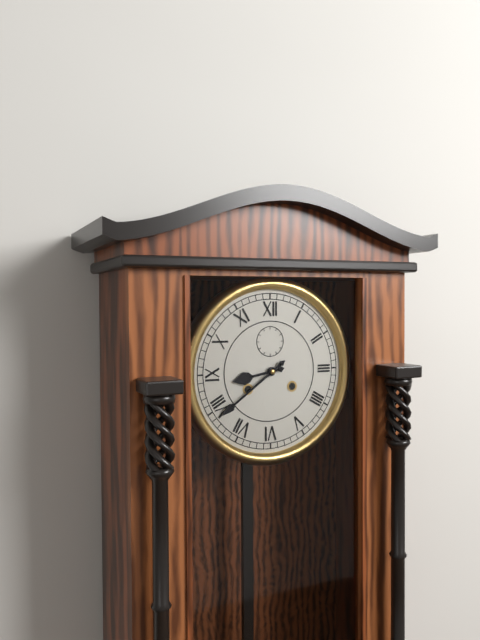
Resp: 8.39
